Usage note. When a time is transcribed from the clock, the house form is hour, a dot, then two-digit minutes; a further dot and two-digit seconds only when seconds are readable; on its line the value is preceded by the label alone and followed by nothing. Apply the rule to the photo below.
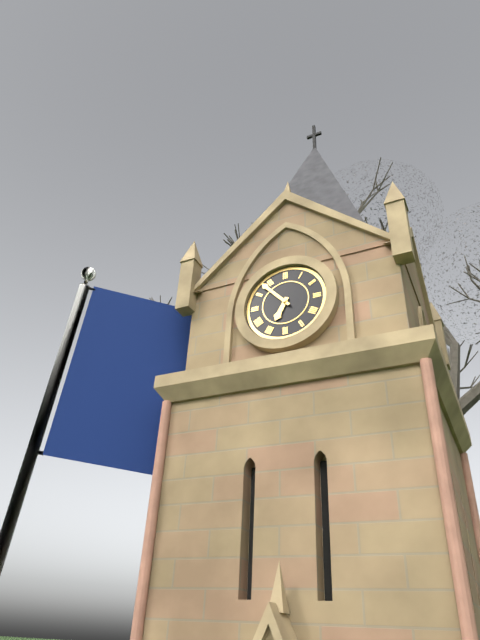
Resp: 6.53
